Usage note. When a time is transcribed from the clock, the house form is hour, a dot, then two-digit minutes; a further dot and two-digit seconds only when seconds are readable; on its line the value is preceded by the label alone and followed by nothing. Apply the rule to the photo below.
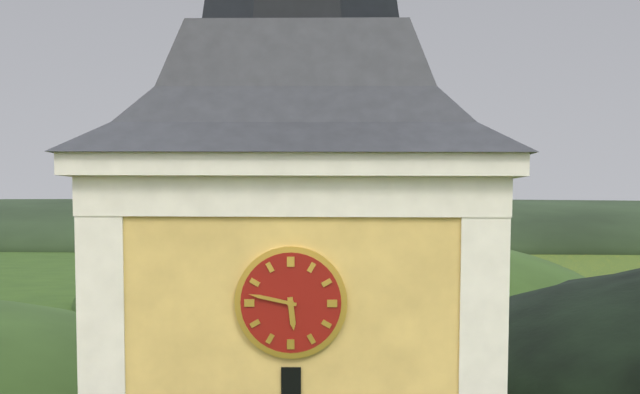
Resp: 5.47
